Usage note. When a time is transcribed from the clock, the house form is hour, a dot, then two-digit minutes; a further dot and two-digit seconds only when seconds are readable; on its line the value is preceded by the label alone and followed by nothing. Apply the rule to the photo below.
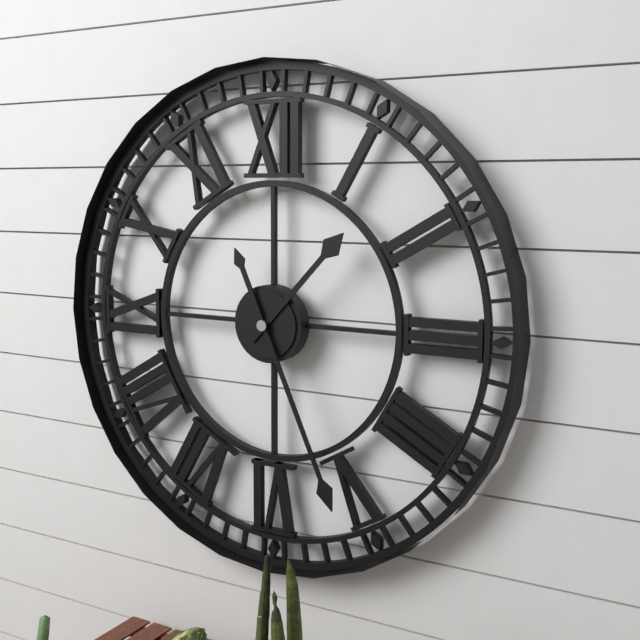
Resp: 1.26
